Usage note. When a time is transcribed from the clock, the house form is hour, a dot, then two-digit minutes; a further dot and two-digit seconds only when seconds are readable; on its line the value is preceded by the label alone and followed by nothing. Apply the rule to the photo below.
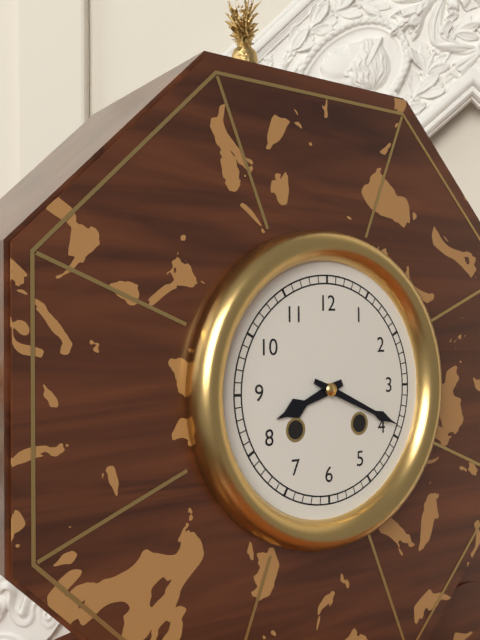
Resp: 8.19
